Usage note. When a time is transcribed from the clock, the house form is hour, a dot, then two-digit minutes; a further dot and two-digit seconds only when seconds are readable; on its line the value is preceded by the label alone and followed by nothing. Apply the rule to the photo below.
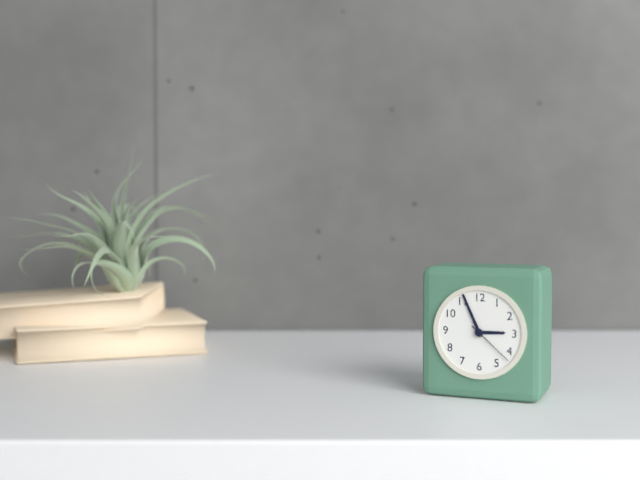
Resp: 2.56.22
